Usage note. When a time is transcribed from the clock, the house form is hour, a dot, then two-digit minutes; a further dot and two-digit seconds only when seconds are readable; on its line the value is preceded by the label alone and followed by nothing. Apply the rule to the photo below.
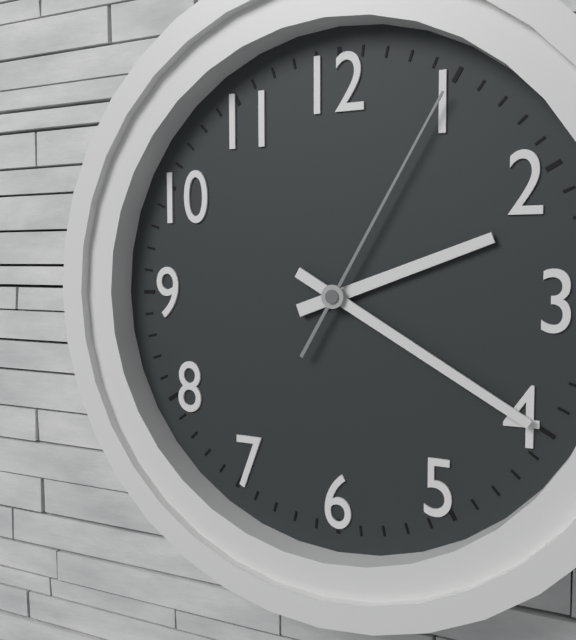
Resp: 2.20.05
